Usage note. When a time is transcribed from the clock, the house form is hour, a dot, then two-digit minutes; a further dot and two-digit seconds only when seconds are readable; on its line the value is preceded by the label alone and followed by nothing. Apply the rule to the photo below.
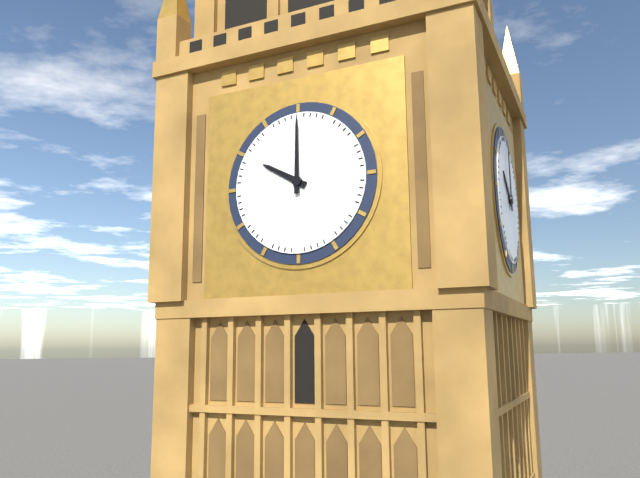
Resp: 10.00
